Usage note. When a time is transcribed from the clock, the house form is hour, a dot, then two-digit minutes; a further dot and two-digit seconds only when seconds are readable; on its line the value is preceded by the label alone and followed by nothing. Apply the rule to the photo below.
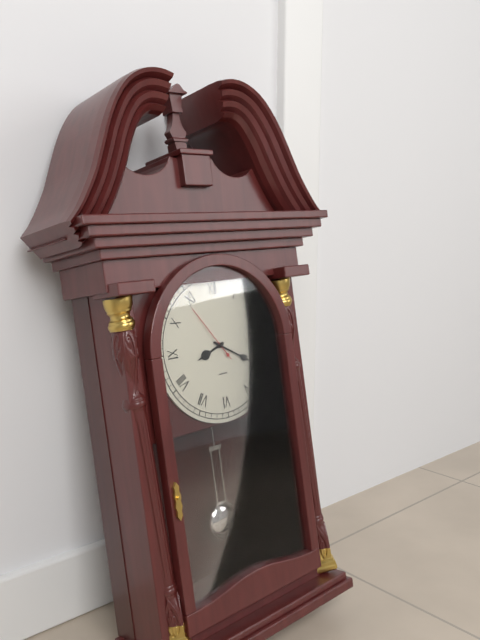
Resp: 8.20.54
